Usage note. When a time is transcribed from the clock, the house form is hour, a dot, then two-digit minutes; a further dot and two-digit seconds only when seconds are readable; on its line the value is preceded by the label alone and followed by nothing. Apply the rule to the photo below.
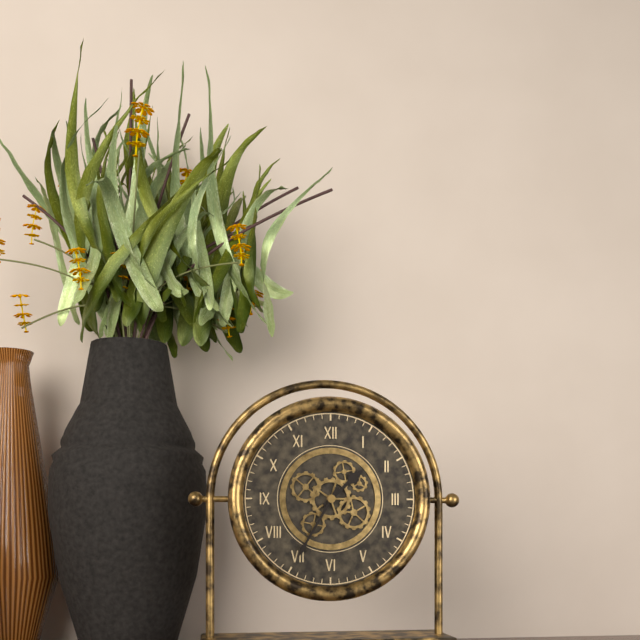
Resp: 1.35
